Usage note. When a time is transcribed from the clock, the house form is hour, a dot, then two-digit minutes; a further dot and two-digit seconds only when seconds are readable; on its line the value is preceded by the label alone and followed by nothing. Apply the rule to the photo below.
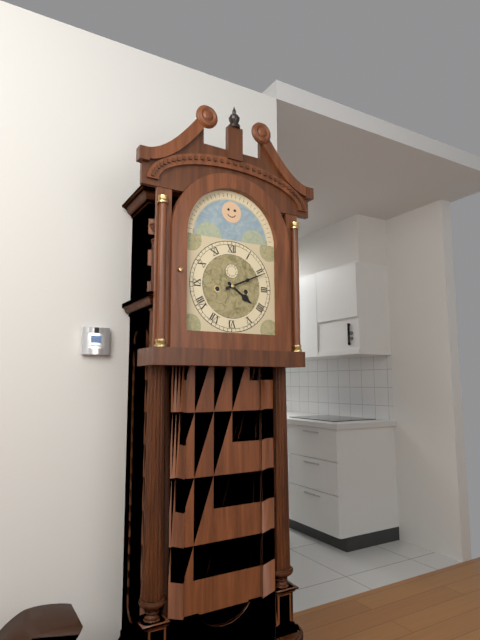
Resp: 4.11
